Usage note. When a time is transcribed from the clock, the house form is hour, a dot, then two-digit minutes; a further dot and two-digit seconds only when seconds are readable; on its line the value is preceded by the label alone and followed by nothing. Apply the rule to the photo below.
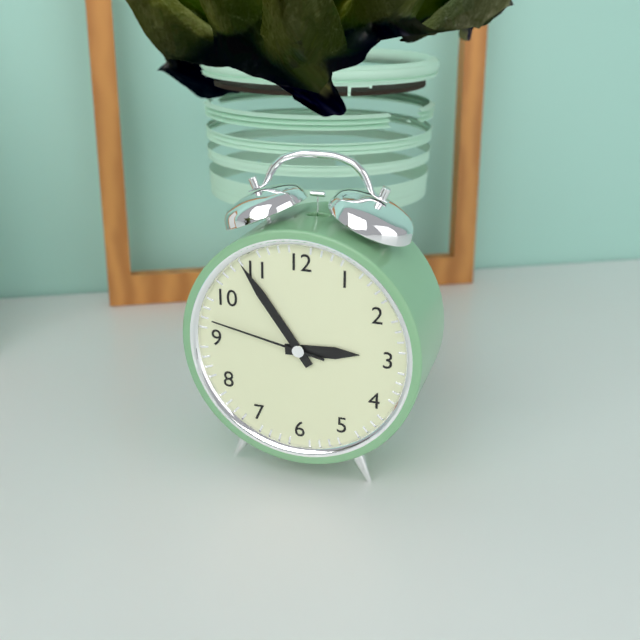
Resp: 2.54.47
